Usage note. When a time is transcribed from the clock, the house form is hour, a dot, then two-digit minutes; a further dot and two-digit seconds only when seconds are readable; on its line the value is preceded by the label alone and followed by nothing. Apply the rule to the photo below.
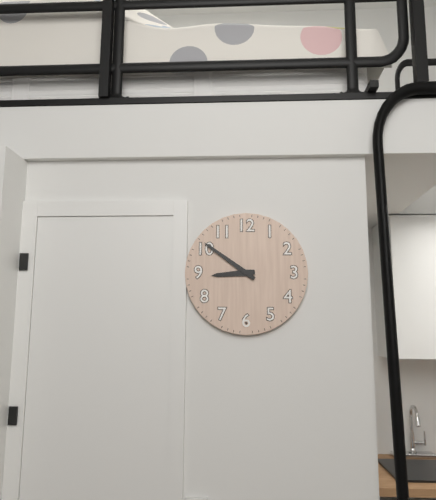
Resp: 8.51
